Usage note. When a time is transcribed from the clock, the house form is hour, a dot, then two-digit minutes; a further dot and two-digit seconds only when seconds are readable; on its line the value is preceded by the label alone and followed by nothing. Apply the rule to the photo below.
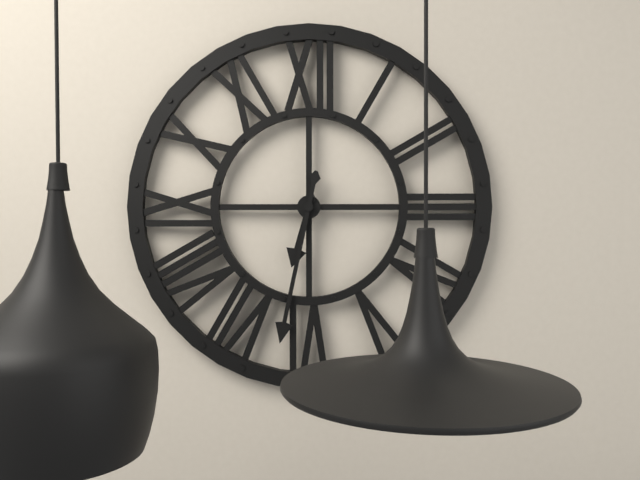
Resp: 6.32
